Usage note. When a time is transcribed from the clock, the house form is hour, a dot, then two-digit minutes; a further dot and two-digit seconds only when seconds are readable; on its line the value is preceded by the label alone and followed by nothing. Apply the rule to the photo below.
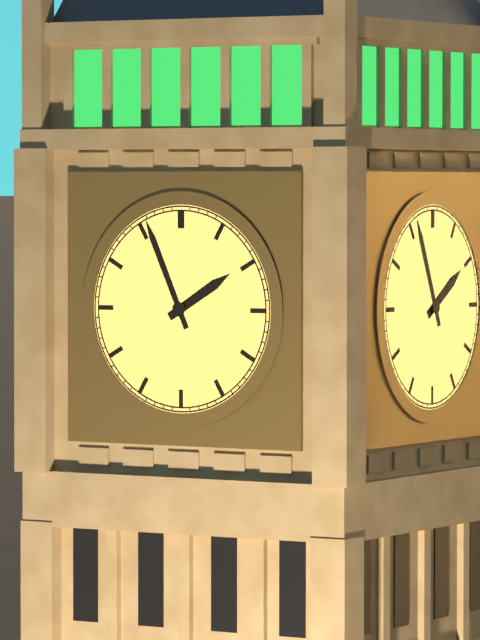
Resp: 1.56
